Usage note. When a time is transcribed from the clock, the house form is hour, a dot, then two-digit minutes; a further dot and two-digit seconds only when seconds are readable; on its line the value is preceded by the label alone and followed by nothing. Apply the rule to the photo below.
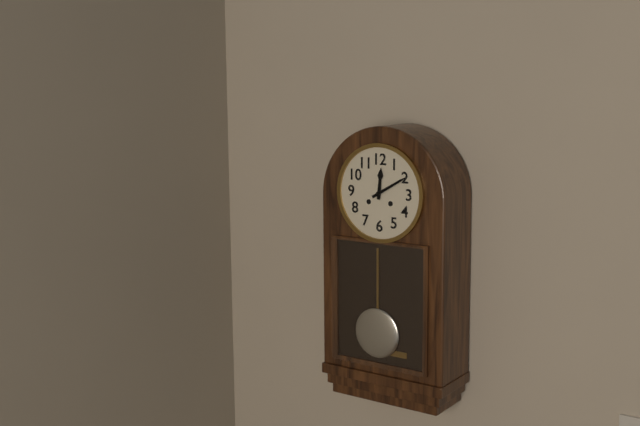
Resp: 12.10
